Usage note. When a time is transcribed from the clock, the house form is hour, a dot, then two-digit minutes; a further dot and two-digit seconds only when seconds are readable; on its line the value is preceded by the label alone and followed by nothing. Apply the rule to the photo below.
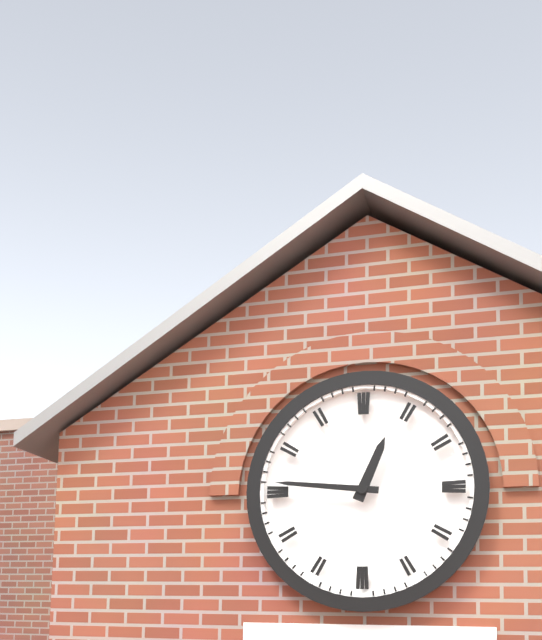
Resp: 12.46
